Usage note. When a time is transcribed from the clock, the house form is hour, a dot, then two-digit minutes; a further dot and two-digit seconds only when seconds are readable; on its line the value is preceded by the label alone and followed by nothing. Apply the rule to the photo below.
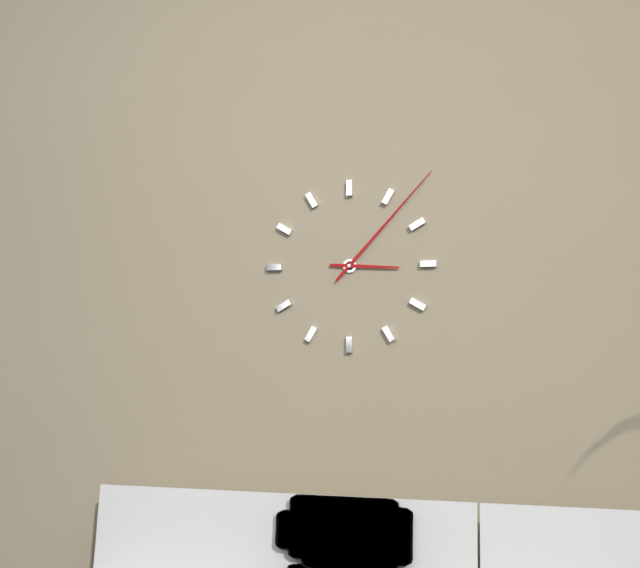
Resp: 3.07
